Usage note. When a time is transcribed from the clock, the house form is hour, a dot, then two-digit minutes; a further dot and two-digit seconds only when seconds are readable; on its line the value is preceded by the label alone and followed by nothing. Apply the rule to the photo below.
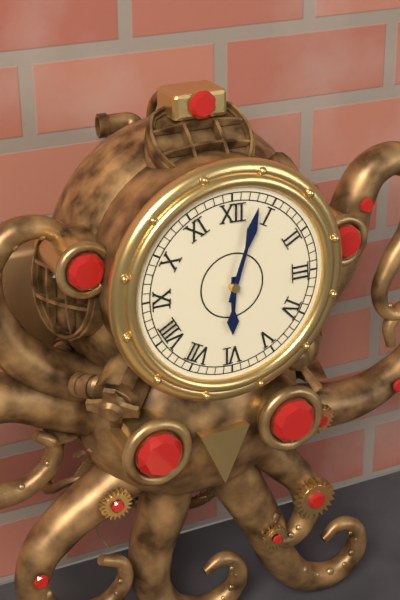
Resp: 6.03
